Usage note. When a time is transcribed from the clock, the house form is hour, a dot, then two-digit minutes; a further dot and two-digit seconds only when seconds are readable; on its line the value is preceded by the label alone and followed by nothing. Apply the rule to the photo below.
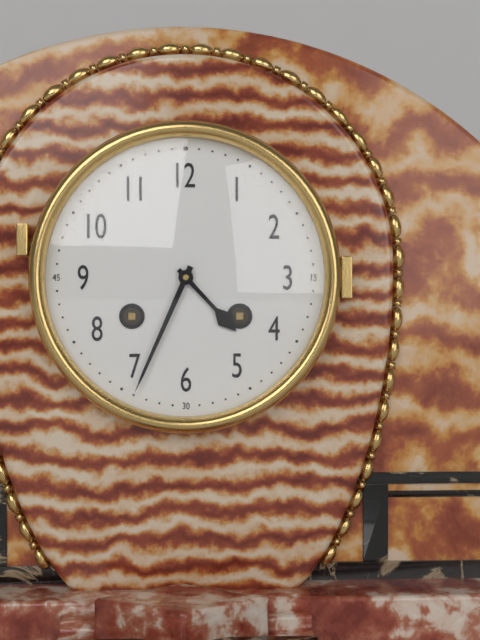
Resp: 4.34
